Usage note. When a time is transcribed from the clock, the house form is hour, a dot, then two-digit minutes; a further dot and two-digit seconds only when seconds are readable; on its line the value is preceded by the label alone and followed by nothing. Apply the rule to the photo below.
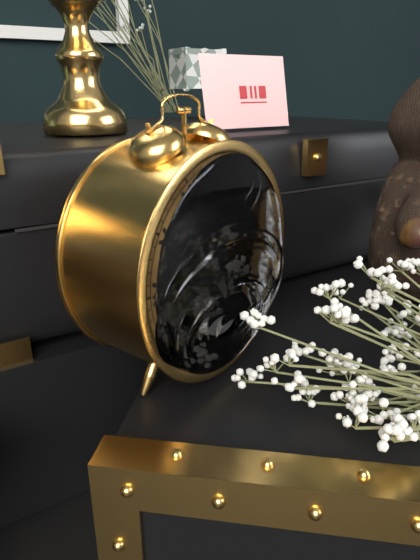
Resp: 10.02
